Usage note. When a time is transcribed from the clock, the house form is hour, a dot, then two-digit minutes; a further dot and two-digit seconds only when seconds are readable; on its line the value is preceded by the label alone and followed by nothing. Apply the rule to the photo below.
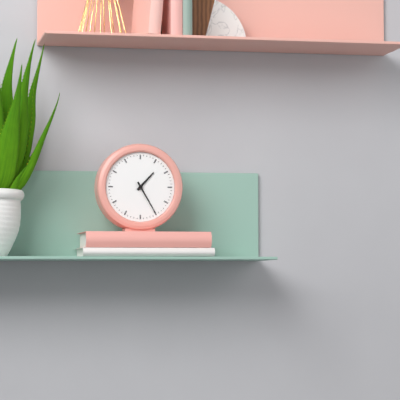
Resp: 1.25
